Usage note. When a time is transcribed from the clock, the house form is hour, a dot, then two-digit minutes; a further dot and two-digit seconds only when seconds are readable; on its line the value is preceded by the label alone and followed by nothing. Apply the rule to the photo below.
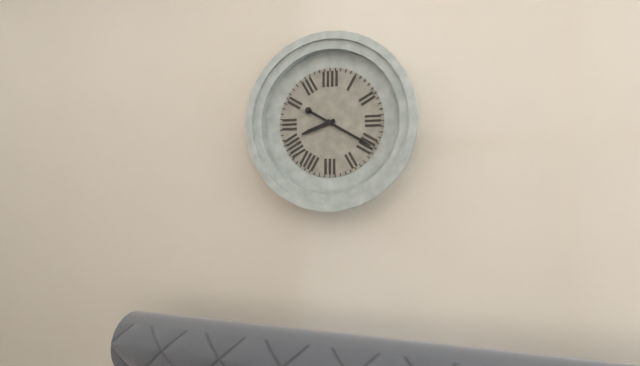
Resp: 8.20
